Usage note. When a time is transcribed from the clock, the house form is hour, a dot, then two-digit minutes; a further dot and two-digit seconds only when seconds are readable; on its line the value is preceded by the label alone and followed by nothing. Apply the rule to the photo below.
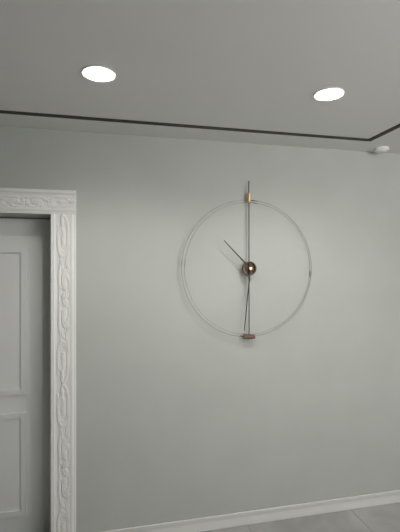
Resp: 10.31
